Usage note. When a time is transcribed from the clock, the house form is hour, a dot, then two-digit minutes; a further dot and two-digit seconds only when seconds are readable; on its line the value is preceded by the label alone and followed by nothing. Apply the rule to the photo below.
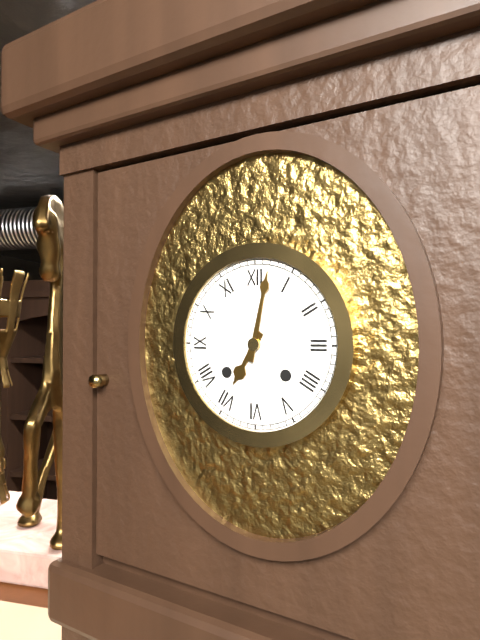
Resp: 7.02
